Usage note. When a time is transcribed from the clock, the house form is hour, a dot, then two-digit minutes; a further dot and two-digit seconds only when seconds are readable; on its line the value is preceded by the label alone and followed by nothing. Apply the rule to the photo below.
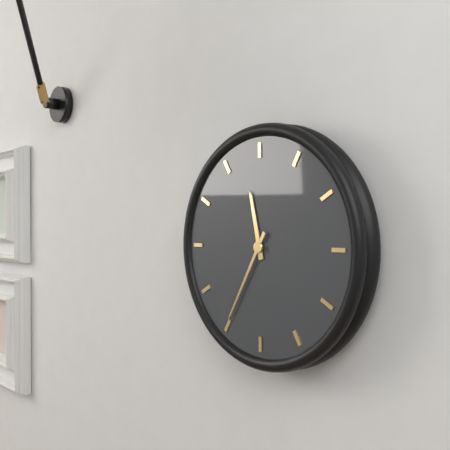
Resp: 11.35
